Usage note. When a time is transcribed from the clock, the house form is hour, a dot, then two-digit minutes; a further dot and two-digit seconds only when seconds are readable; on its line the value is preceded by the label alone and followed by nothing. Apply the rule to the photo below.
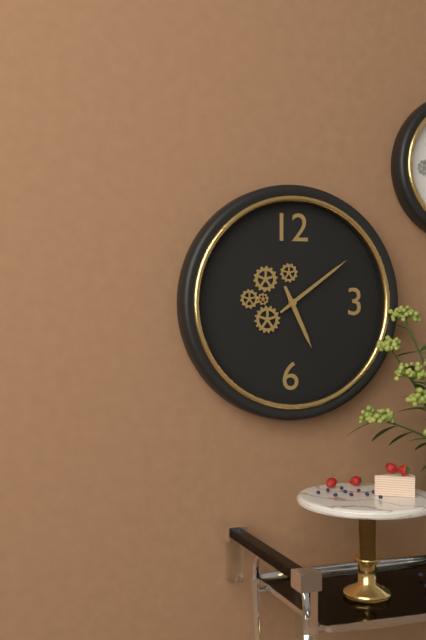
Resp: 5.09
